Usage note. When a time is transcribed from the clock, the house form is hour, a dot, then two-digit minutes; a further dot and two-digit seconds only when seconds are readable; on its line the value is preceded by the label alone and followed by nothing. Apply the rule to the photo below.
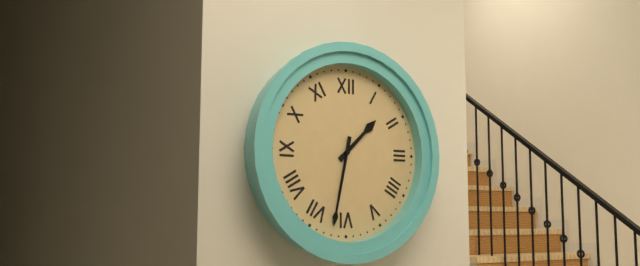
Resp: 1.32
